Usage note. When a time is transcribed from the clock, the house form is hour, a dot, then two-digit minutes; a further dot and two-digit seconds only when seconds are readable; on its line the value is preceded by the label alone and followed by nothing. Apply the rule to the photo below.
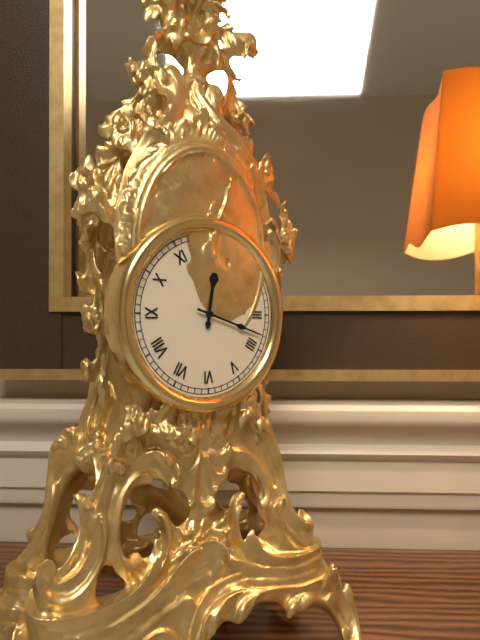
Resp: 12.18
